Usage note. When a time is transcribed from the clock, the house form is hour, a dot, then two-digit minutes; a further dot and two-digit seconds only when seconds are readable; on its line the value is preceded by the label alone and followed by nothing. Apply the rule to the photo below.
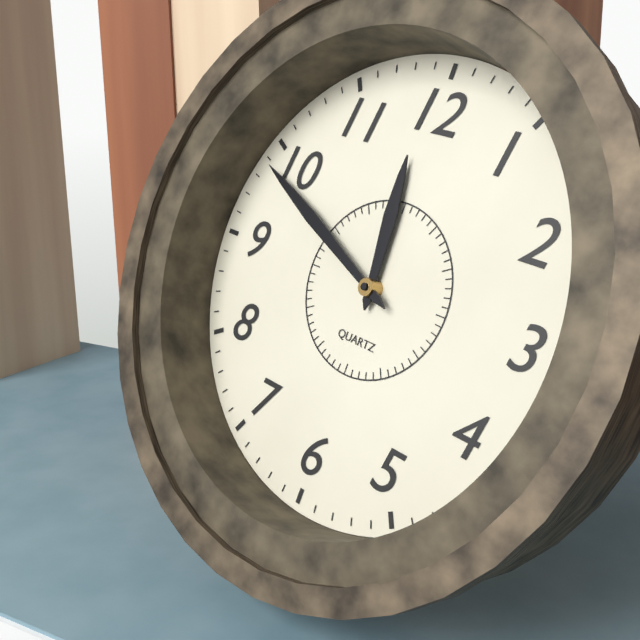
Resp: 11.49
